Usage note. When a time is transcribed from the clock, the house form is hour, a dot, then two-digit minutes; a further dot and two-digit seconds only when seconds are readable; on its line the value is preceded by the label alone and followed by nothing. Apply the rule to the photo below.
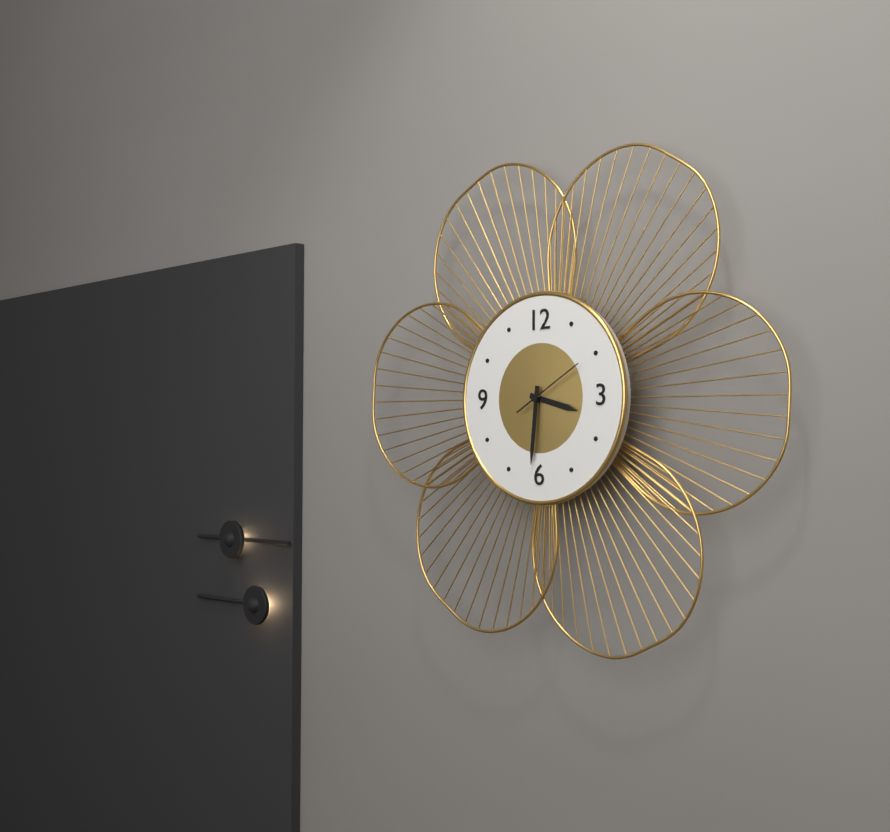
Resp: 3.31.10
